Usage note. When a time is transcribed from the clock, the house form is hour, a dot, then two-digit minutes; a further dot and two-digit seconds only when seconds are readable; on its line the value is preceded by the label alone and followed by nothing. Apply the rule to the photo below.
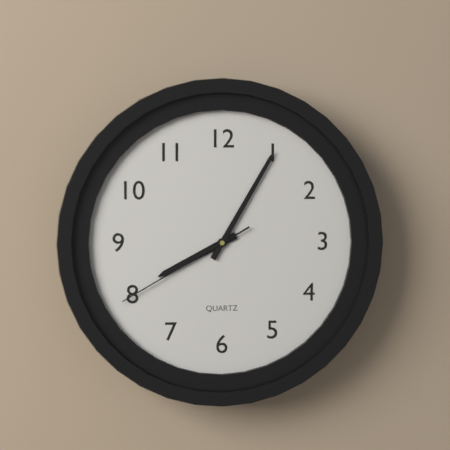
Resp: 8.05.40
